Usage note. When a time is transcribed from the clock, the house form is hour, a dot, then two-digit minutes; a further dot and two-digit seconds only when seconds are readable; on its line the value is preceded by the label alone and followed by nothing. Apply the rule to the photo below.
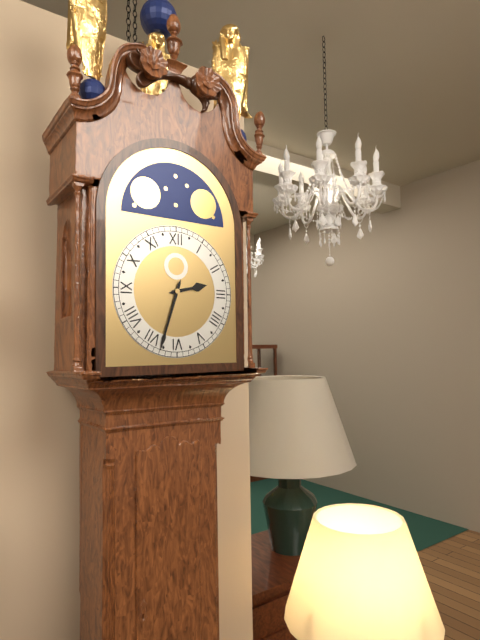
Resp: 2.33
